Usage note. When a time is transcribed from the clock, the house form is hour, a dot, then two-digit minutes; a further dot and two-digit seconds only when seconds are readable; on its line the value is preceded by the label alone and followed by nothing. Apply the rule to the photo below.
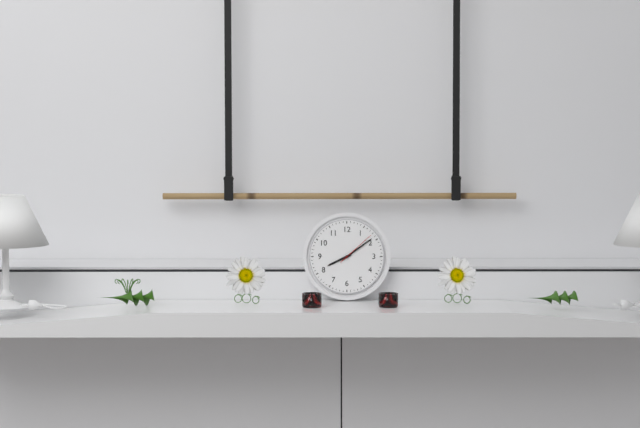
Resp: 8.09
